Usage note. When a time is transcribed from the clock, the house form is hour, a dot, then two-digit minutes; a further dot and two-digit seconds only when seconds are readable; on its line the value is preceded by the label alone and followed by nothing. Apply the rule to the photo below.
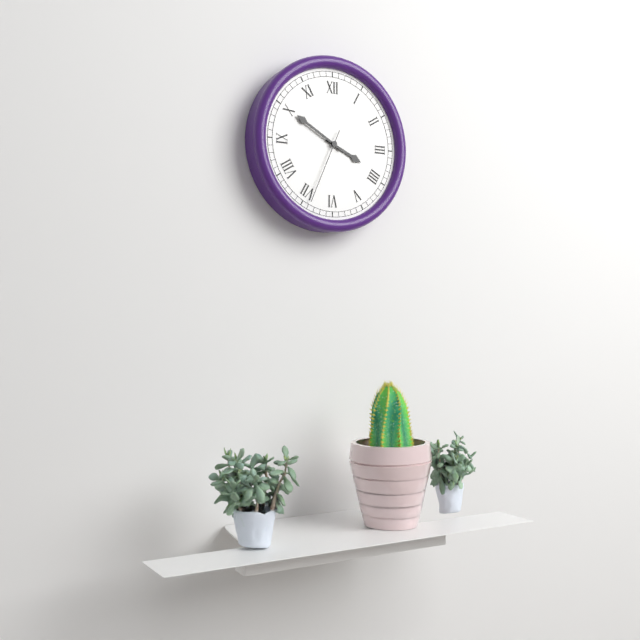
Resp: 3.50.34
